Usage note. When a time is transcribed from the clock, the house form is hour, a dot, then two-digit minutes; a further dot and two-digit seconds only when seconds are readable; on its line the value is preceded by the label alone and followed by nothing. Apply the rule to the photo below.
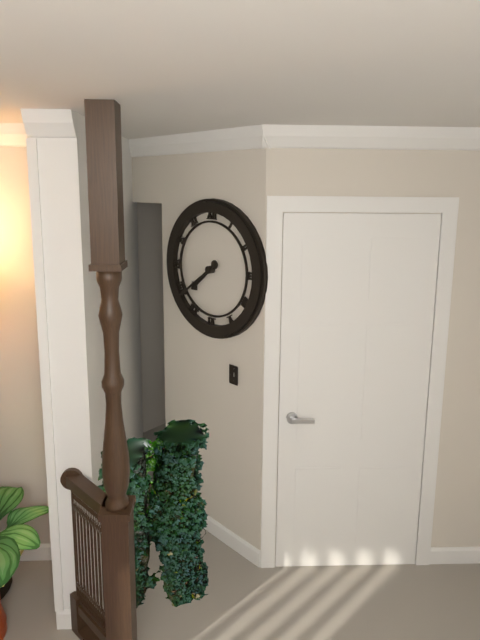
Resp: 7.39
